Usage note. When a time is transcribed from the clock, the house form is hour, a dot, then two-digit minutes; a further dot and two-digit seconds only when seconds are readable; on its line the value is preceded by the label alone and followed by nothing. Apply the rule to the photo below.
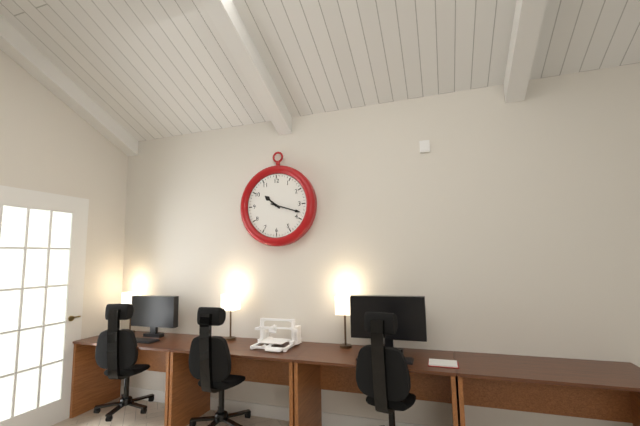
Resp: 10.18
